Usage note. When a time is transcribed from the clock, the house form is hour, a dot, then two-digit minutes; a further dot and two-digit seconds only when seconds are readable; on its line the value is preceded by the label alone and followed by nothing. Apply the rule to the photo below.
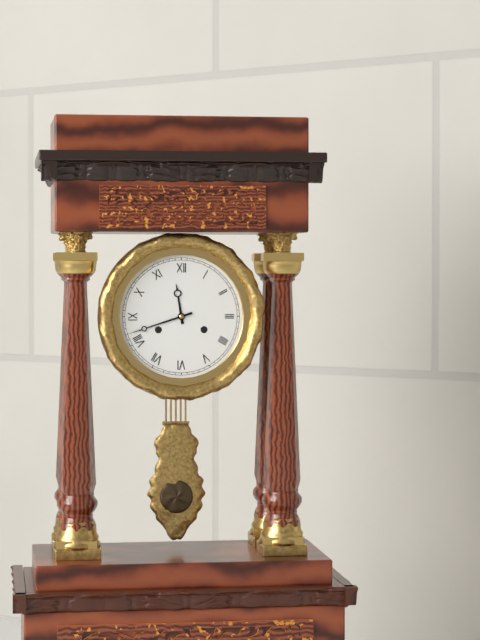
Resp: 11.42
